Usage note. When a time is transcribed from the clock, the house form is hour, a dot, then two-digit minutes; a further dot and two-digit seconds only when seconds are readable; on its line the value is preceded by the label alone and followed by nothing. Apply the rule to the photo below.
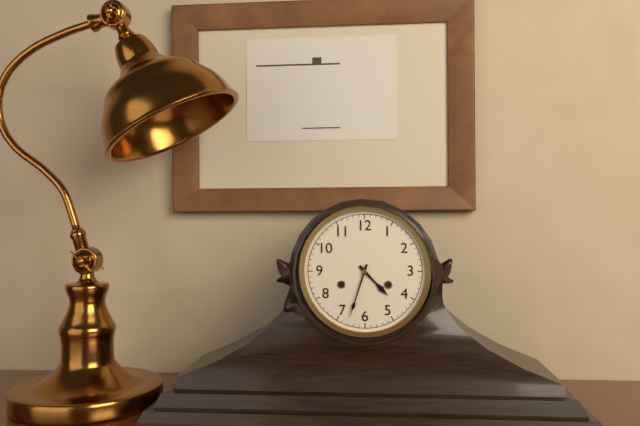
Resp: 4.33
